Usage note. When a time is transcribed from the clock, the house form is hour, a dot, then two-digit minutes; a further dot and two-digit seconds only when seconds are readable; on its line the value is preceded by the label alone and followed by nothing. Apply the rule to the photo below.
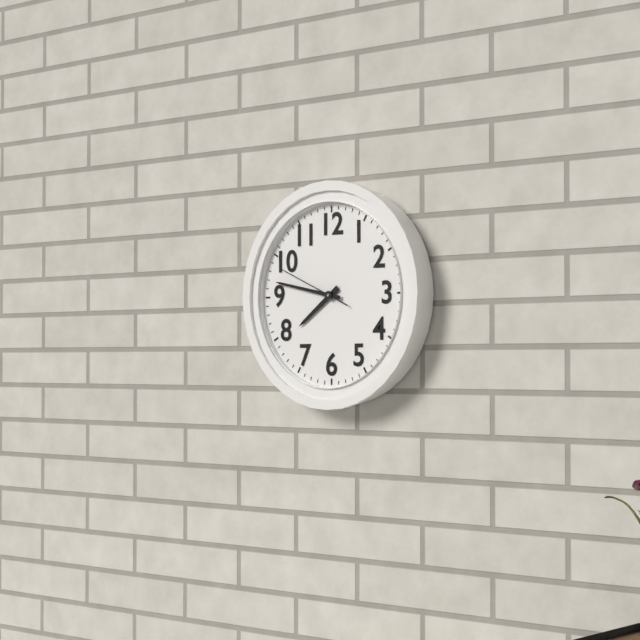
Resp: 7.47.49
